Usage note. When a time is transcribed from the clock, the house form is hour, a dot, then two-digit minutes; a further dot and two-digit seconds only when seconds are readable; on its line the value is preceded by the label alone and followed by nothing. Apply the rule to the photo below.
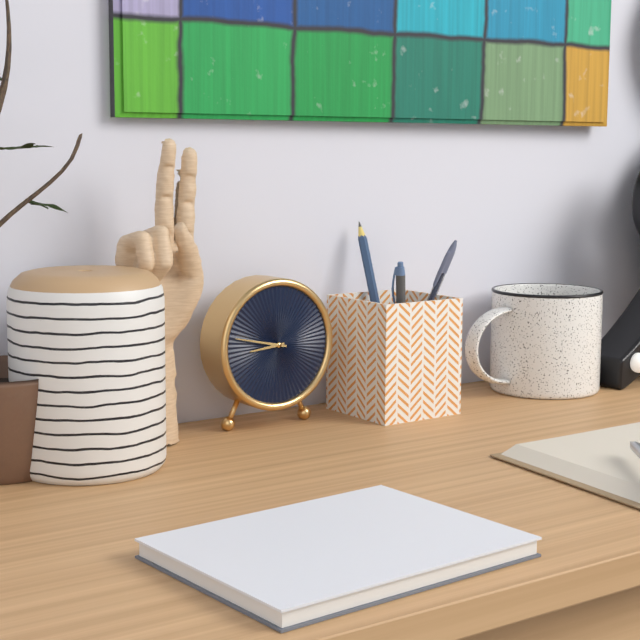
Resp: 8.47
